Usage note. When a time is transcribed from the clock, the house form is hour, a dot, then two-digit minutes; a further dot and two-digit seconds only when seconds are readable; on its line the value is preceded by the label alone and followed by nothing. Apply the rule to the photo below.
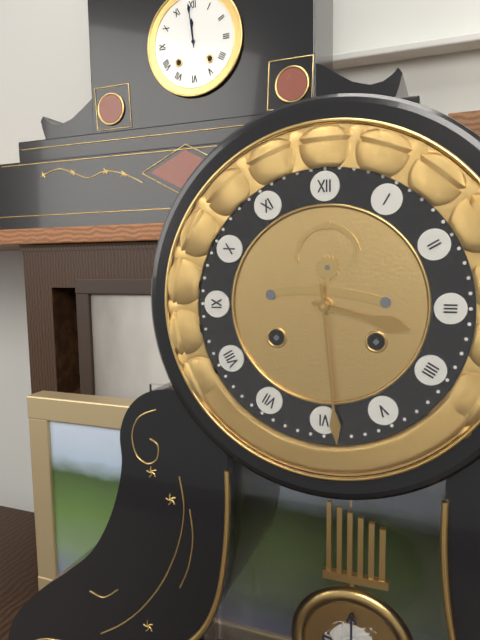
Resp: 3.29
